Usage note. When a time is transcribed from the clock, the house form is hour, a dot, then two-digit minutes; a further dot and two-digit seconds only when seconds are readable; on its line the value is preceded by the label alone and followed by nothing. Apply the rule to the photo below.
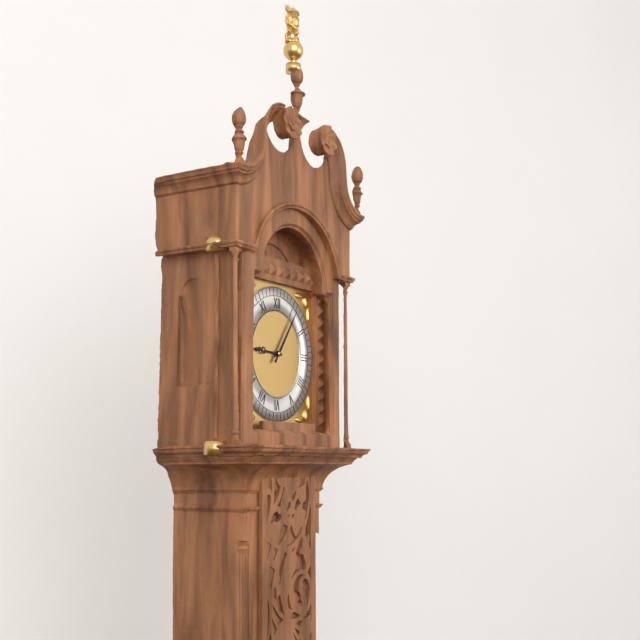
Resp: 9.06
